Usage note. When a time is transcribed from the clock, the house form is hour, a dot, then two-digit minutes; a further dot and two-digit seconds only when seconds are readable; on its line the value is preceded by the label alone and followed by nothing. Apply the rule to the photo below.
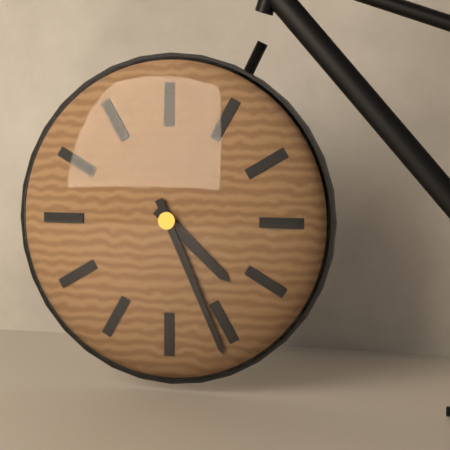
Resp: 4.26
